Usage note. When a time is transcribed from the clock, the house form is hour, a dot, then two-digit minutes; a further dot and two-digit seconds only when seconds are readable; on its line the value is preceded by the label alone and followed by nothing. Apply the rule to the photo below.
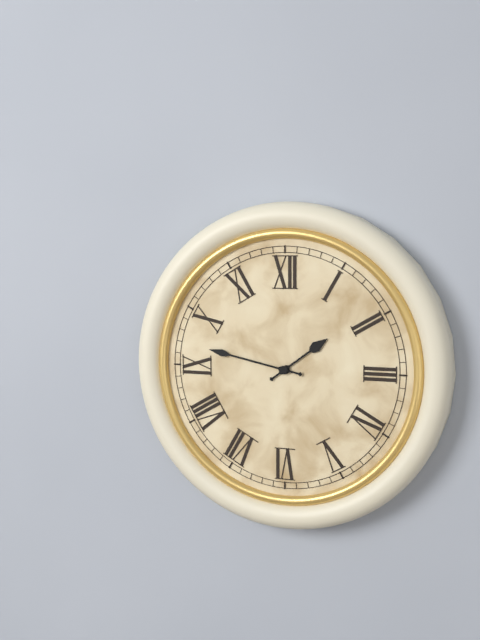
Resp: 1.47
